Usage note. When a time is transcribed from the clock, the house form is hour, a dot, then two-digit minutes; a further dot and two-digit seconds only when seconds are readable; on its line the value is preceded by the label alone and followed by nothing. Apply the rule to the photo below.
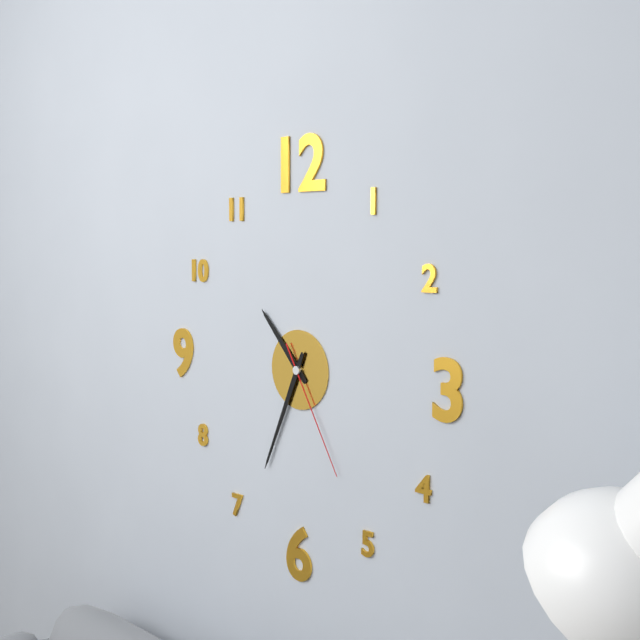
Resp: 10.34.25
